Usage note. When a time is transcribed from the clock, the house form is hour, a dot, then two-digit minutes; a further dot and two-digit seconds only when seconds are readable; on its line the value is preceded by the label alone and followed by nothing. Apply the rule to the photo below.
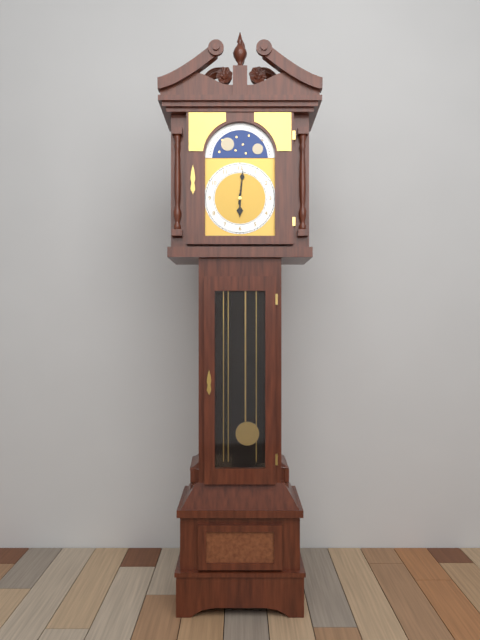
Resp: 6.01
